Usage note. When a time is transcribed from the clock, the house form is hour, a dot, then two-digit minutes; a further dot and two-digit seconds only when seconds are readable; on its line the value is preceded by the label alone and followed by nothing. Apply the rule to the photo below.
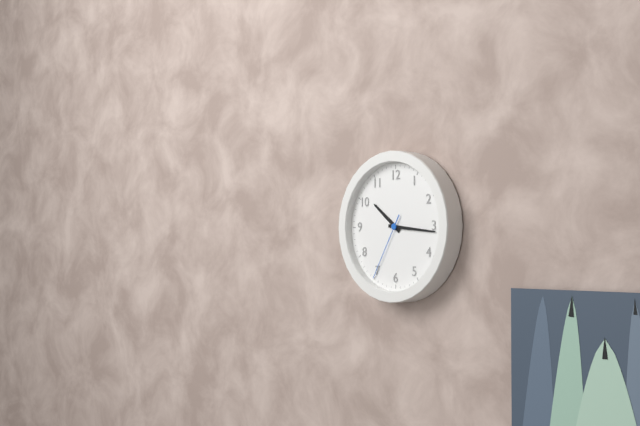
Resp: 10.16.35
